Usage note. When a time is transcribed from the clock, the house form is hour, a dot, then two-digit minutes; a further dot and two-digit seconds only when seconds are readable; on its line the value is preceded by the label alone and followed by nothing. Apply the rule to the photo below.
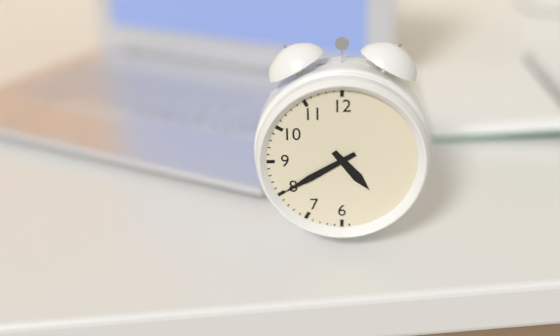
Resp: 4.40
